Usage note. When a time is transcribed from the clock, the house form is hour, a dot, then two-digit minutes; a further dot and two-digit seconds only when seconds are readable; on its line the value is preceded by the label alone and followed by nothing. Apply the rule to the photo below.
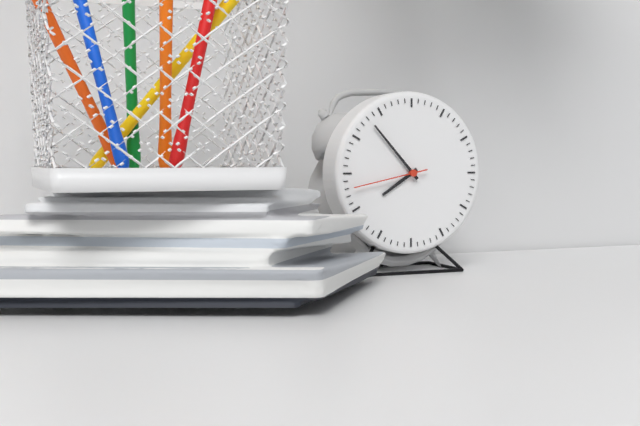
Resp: 7.53.43
